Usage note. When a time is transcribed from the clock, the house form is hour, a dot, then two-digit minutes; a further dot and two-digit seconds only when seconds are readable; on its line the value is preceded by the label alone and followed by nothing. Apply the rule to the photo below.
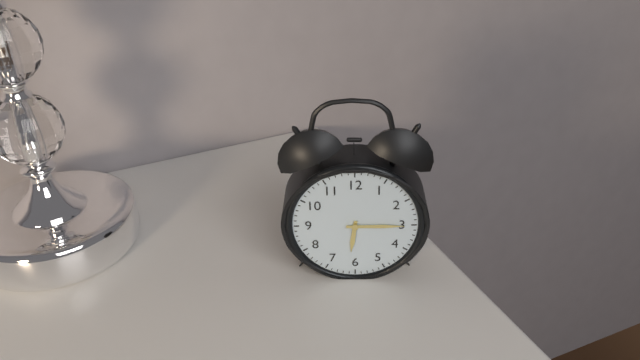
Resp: 6.15
